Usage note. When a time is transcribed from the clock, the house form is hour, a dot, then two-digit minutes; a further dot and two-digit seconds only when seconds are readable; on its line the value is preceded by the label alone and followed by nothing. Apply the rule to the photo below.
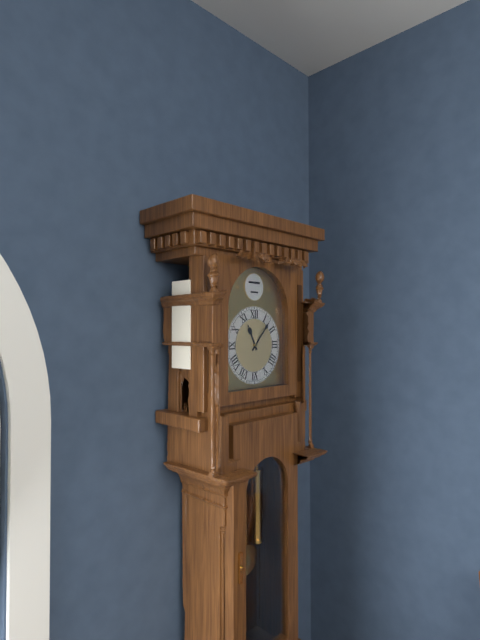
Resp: 11.07
